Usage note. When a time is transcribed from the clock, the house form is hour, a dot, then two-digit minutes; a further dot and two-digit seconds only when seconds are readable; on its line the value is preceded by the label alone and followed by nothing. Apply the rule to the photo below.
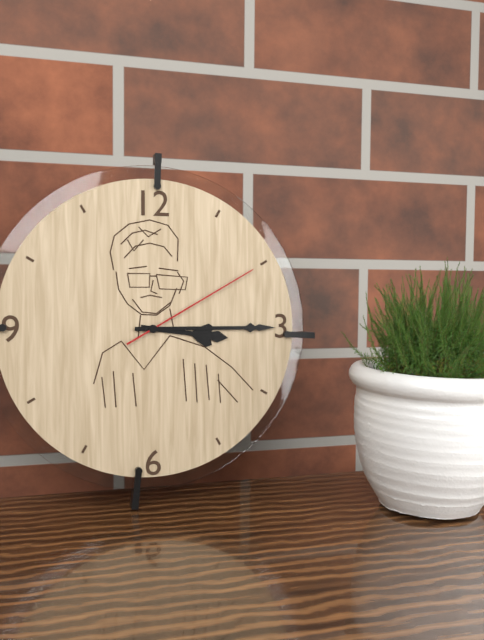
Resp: 3.15.10
